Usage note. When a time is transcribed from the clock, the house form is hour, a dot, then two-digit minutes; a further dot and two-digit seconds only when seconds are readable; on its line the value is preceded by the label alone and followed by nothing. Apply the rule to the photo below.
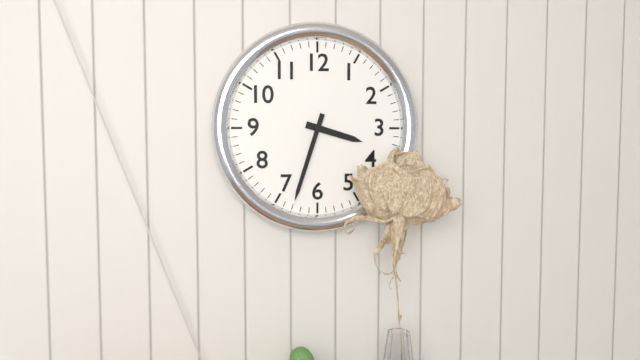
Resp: 3.33
